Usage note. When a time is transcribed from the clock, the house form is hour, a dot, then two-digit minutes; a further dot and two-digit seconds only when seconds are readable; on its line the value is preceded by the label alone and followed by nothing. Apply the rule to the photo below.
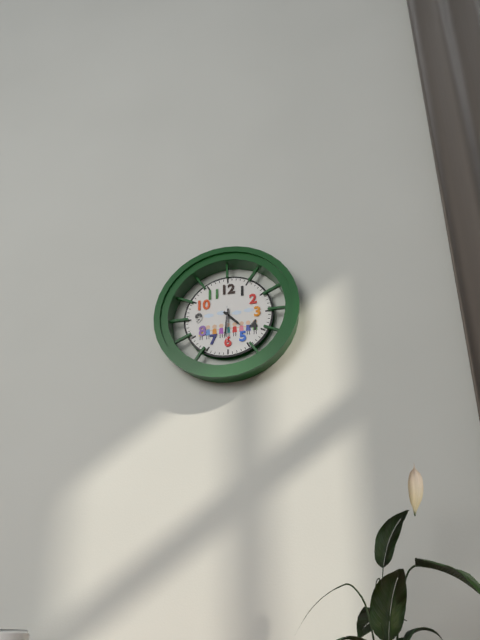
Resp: 4.31
